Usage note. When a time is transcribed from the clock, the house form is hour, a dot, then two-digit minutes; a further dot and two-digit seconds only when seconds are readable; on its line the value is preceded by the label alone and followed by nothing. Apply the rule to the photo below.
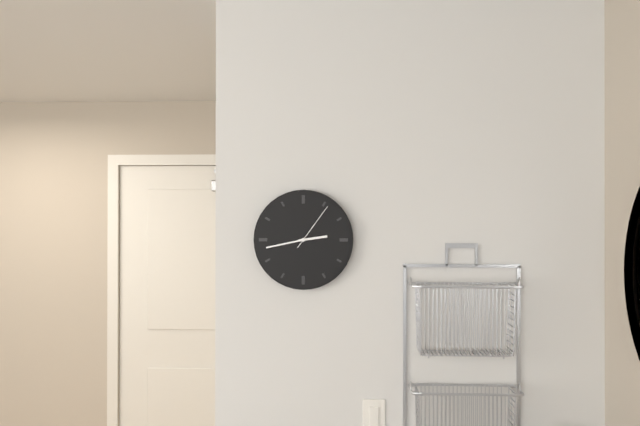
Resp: 2.43.06
